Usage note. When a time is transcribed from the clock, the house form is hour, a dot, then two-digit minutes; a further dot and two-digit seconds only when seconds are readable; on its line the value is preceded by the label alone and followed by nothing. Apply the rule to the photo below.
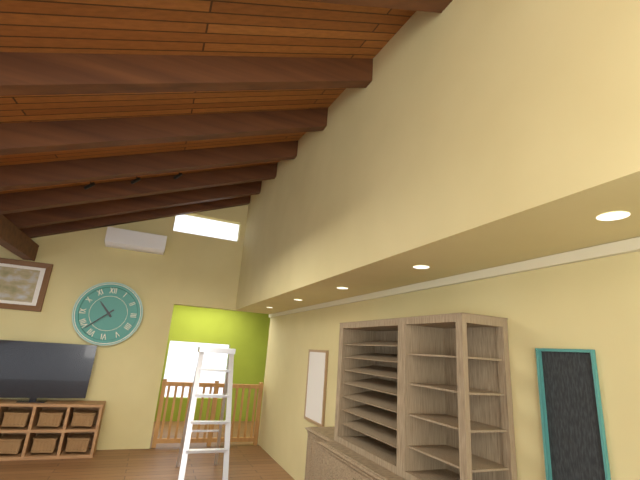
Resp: 10.38
